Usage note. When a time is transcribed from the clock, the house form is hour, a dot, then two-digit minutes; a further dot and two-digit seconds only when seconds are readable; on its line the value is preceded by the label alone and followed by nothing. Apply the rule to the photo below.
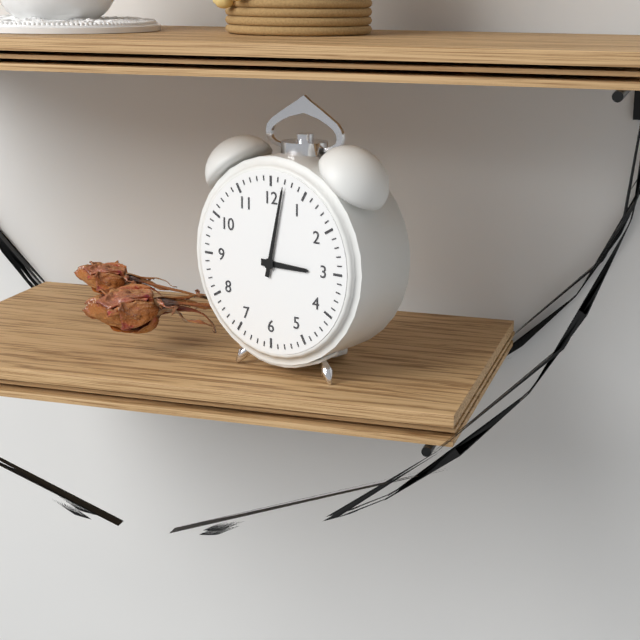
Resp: 3.02
